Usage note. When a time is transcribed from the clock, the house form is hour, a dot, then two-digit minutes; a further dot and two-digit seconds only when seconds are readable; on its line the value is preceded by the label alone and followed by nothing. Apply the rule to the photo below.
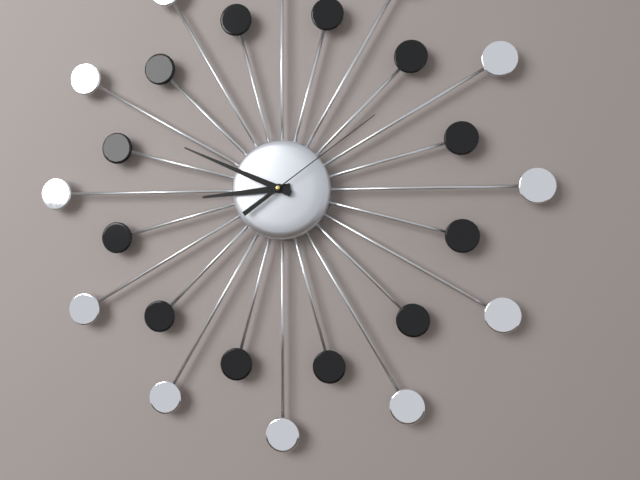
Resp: 8.49.09
